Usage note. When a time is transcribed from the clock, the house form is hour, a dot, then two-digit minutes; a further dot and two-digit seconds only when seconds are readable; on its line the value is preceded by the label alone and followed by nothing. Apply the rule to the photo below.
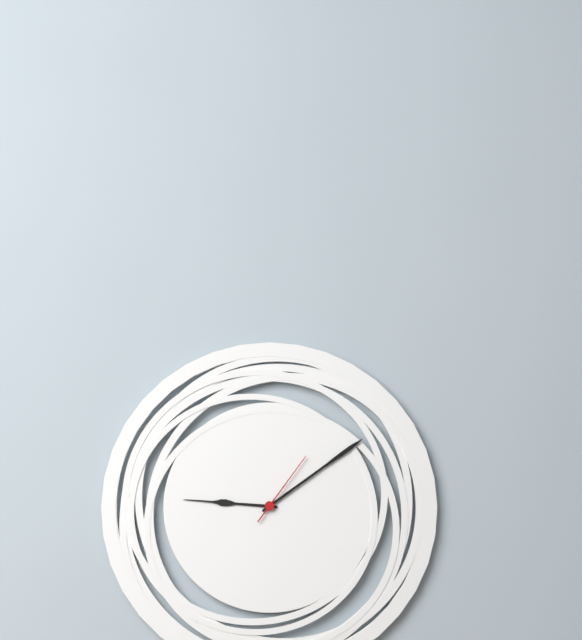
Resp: 9.09.06
